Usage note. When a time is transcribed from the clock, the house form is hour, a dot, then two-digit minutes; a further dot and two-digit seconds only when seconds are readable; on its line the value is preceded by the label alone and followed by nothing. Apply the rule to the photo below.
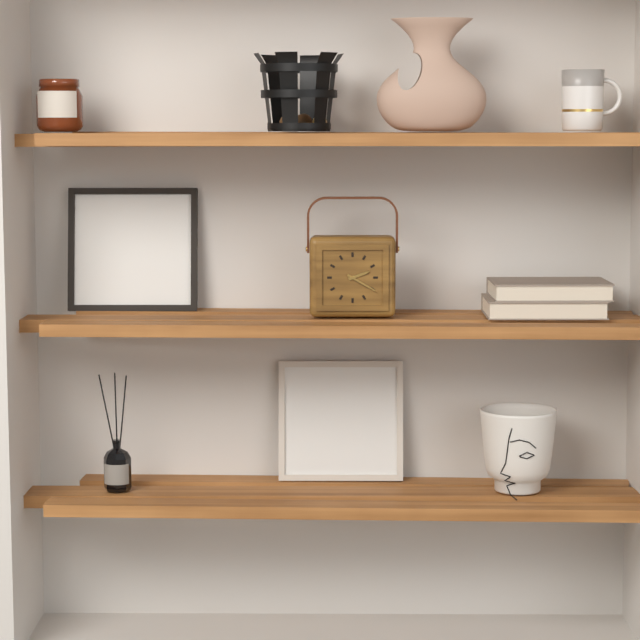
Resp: 2.20
